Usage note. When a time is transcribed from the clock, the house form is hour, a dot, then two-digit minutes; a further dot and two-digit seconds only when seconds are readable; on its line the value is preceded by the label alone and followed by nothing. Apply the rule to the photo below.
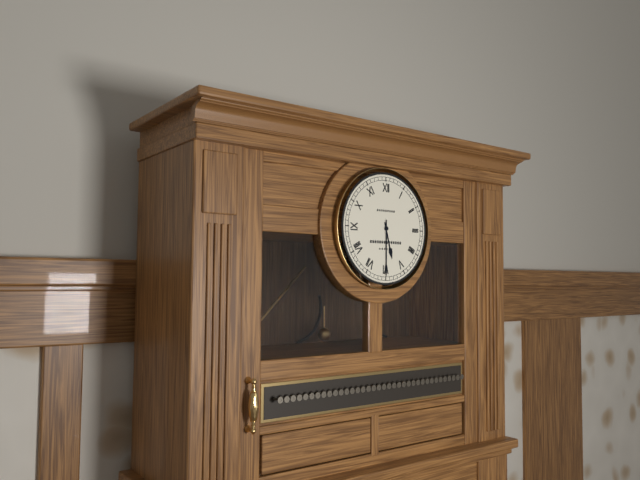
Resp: 5.30
